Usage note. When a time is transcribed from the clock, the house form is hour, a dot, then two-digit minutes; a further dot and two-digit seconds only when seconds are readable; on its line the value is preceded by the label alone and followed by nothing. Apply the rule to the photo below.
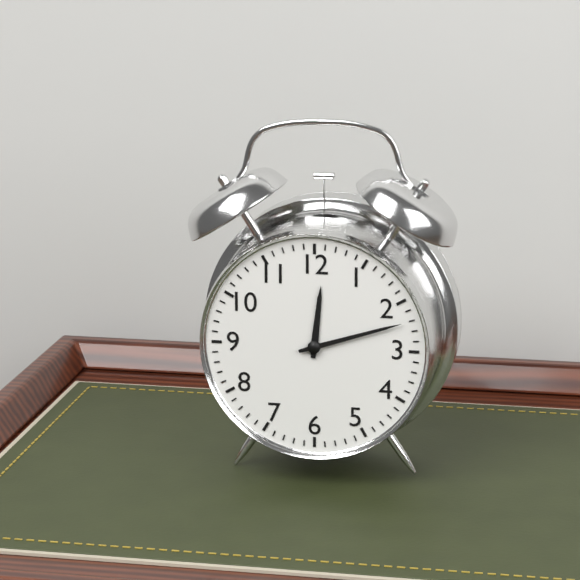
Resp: 12.12
